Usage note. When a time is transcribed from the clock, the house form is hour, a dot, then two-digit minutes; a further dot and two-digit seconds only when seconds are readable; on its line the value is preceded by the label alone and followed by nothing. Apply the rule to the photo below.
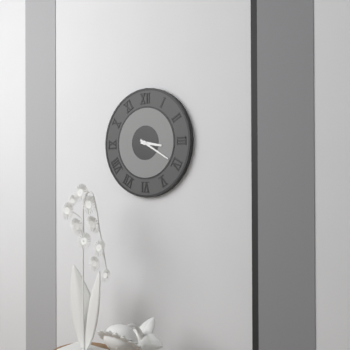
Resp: 3.20
